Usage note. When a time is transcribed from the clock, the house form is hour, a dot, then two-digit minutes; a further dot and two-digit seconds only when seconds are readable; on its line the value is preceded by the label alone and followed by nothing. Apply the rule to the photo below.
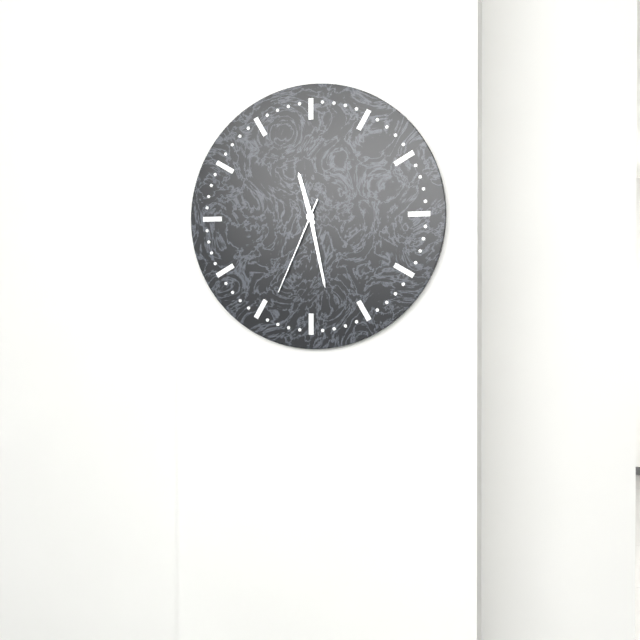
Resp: 11.28.34
